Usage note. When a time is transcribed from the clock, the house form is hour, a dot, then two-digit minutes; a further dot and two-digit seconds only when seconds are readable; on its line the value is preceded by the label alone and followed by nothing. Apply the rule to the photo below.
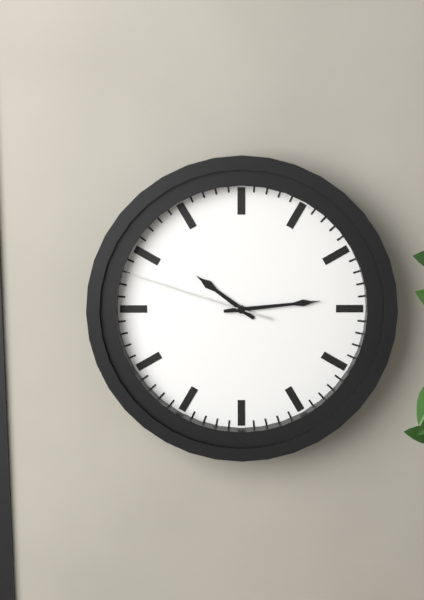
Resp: 10.14.48
